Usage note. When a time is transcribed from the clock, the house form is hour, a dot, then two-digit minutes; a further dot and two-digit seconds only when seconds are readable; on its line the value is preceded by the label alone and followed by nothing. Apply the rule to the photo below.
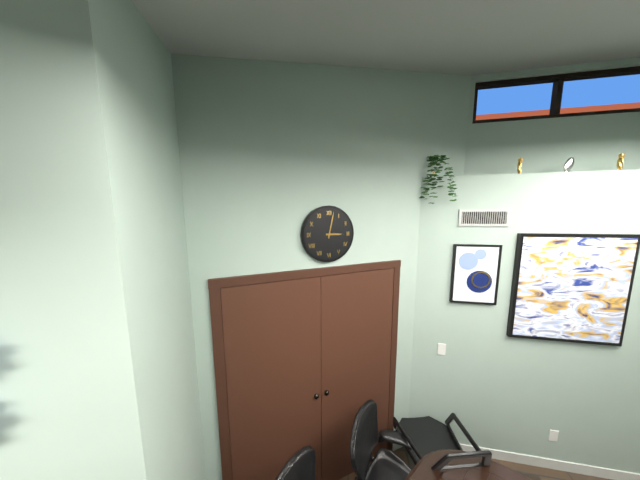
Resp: 3.02
